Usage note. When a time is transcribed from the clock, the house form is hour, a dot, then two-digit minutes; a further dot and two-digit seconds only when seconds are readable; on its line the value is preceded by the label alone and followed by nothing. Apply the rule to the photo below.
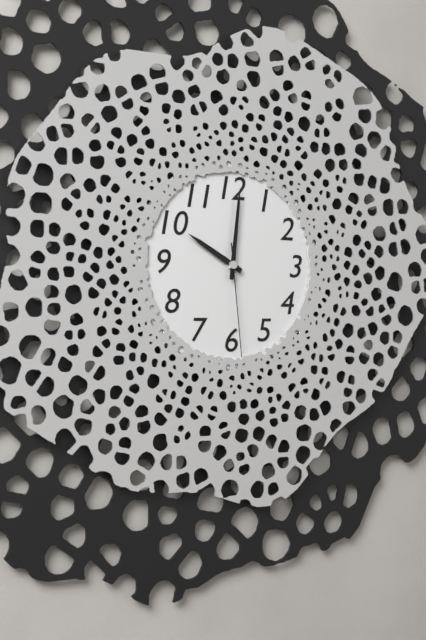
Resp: 10.01.29
